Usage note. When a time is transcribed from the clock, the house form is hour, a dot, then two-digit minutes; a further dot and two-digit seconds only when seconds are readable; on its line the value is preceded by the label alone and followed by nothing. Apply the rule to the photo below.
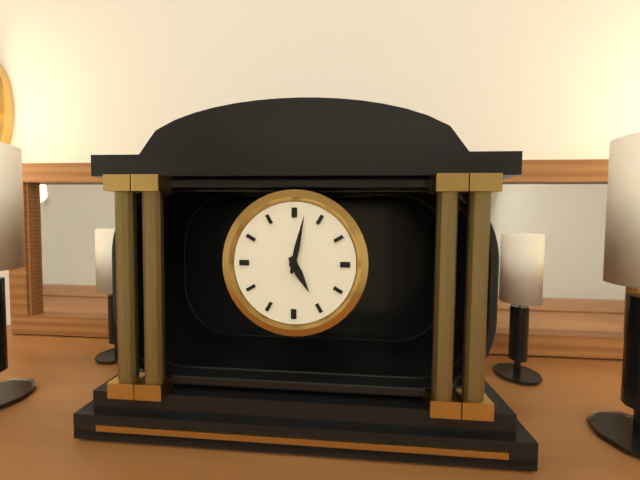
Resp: 5.02
